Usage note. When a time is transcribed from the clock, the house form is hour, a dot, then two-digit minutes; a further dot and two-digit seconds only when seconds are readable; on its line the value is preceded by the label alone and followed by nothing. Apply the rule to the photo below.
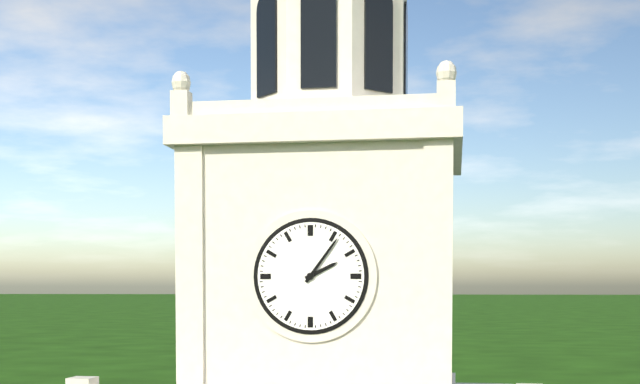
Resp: 2.06
